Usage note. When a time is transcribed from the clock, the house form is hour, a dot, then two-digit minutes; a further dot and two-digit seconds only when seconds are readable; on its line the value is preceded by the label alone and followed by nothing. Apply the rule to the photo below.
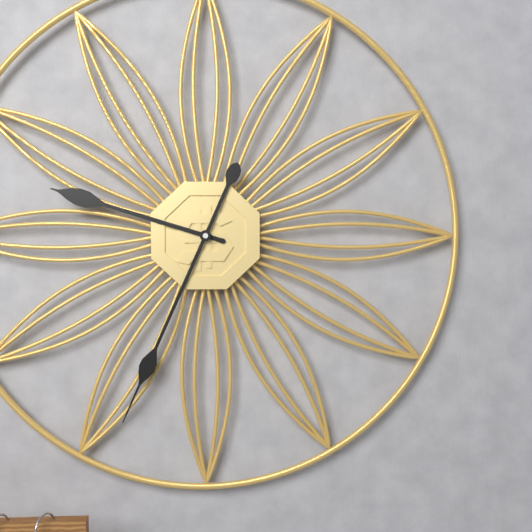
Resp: 9.34
